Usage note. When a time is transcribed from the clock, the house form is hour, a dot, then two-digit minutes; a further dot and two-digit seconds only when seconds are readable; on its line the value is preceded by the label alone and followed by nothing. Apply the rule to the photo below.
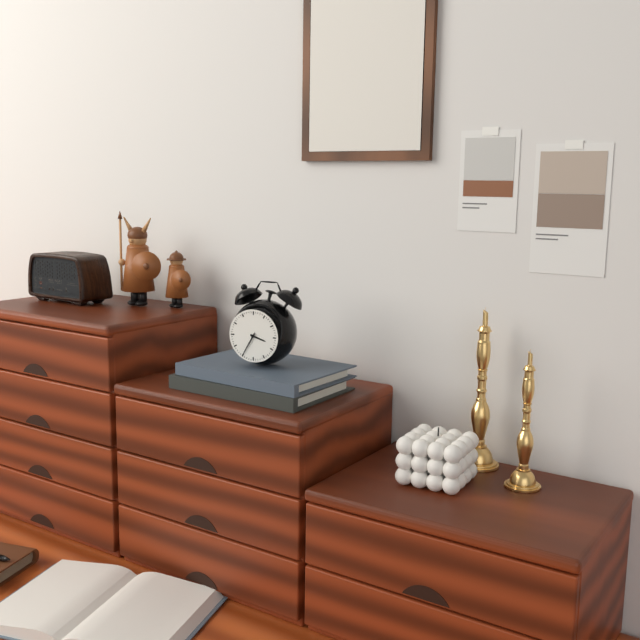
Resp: 3.35
